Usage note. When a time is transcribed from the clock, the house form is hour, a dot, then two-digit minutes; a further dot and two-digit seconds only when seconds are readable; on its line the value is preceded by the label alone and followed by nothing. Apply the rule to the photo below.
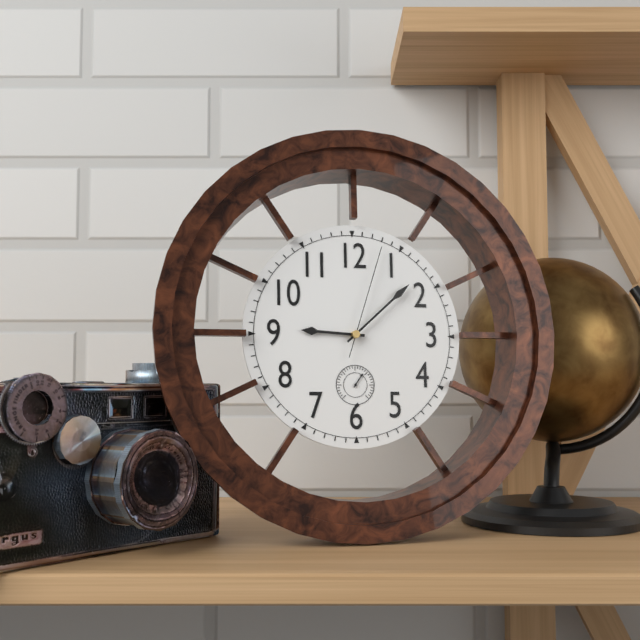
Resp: 9.08.03
